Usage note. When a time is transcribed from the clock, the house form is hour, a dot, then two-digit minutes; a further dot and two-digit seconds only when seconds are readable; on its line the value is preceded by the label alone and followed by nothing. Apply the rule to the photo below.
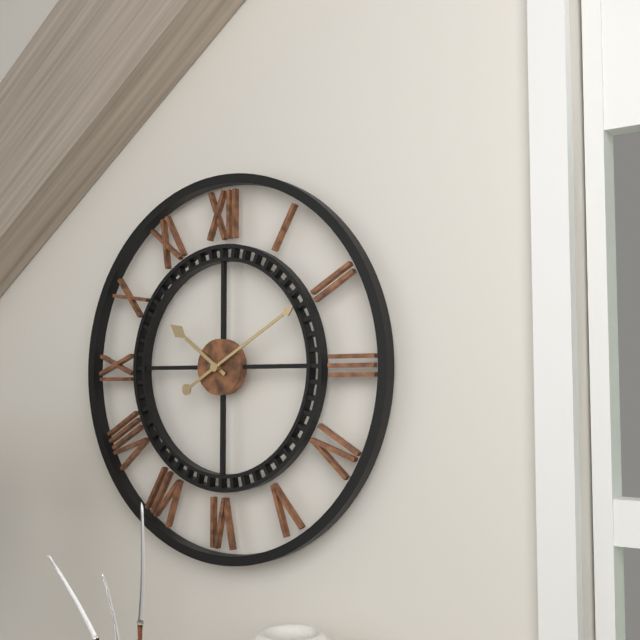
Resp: 10.10
